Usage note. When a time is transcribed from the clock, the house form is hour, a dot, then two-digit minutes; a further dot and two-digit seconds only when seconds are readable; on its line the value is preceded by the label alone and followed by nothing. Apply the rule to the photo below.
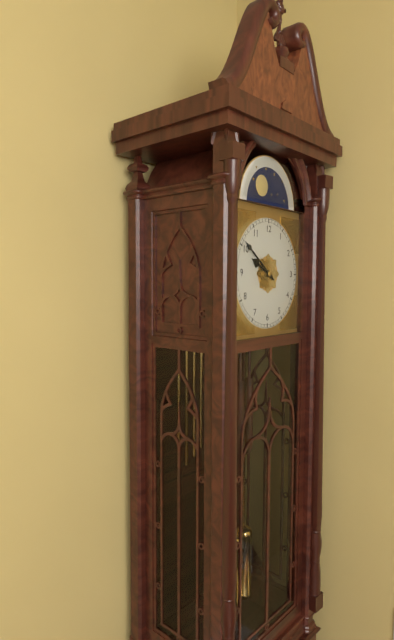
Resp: 9.51
